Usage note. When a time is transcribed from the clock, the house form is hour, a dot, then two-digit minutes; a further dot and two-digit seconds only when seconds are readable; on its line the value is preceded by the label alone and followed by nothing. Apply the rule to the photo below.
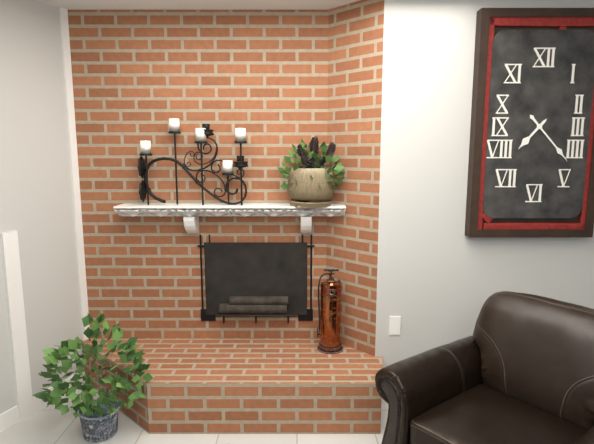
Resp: 7.23
